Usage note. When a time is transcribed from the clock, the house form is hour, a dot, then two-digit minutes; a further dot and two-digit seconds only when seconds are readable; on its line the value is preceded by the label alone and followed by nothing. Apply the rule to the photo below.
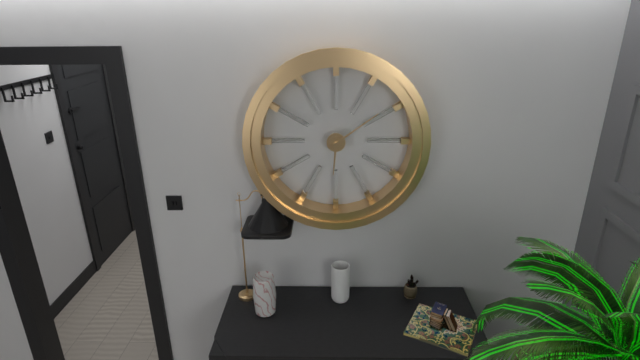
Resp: 6.09
